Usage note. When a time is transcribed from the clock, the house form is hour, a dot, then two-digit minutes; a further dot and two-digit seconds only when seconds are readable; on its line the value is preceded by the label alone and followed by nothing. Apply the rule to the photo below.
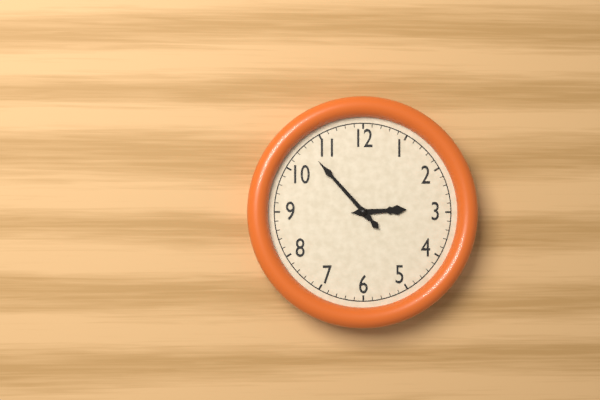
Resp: 2.53
